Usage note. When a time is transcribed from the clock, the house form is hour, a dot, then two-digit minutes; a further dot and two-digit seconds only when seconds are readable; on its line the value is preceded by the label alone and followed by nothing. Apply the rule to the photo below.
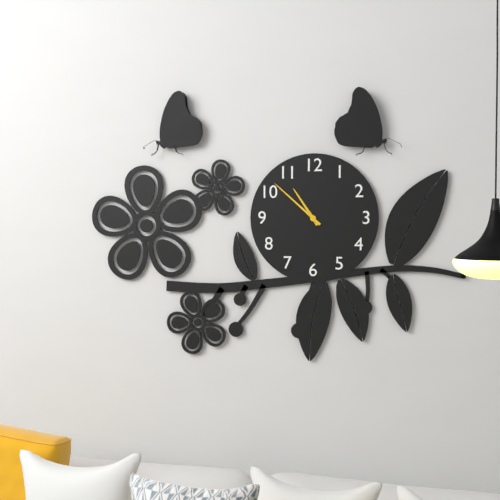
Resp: 10.52
